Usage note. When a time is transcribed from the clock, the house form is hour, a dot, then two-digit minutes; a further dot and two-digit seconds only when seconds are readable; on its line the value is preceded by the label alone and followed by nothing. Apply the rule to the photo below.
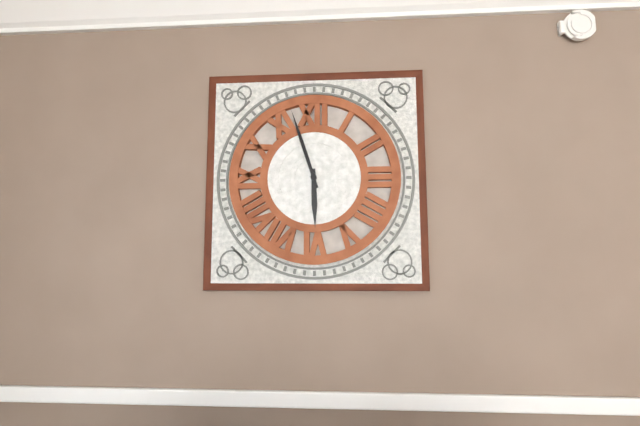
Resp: 5.57
